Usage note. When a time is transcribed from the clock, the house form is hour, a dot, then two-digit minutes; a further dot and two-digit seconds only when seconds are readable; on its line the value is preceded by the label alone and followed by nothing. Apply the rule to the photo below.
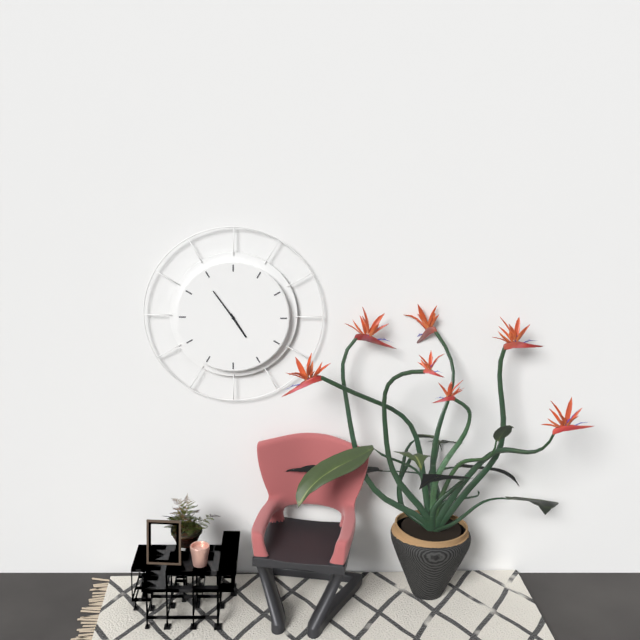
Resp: 4.54
